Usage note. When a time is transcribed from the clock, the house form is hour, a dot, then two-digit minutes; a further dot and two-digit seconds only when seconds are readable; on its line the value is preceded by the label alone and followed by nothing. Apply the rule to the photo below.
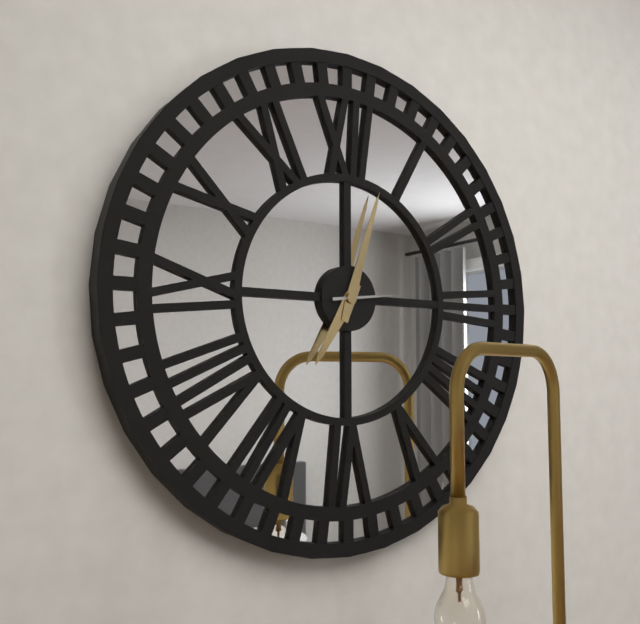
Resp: 7.03.14
